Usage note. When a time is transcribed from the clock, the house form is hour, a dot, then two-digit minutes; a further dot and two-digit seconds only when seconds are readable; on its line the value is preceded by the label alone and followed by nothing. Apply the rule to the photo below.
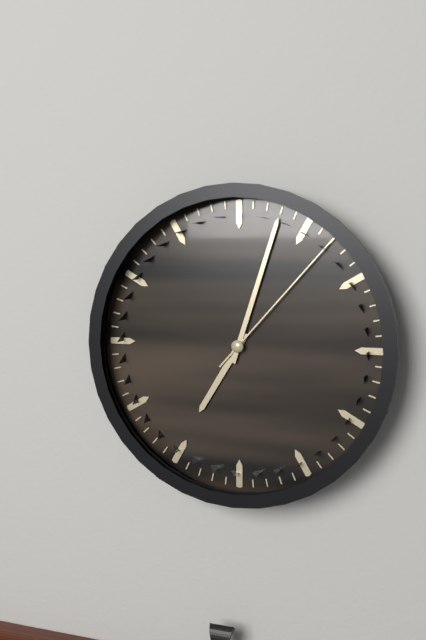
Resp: 7.03.07
